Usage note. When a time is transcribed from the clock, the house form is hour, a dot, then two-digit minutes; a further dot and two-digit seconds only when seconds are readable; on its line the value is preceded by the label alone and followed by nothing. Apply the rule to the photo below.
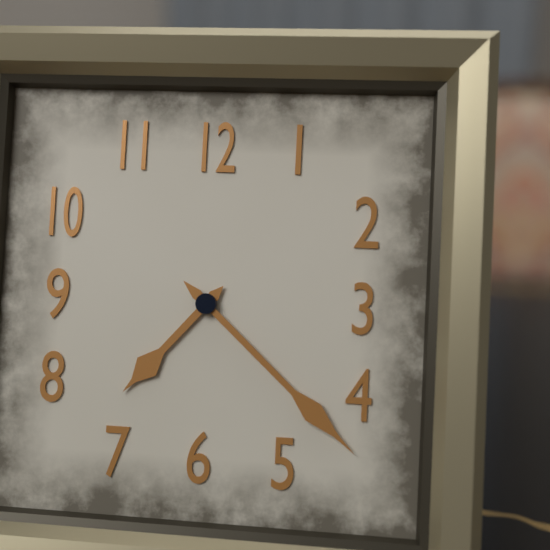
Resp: 7.22
